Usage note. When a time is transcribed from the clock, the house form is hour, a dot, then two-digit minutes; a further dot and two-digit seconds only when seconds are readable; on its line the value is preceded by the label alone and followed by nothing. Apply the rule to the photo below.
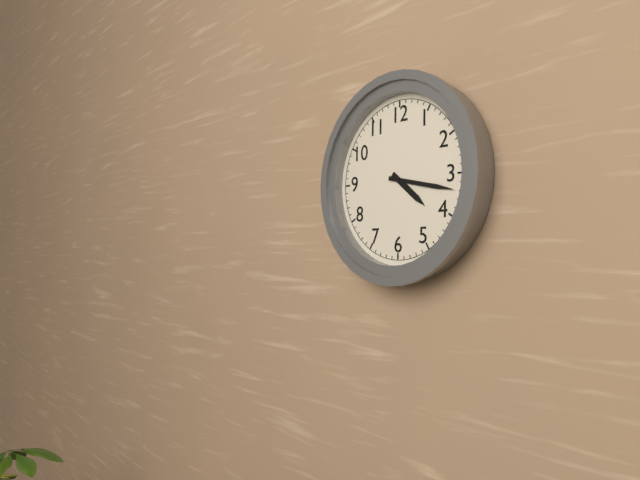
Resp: 4.17
